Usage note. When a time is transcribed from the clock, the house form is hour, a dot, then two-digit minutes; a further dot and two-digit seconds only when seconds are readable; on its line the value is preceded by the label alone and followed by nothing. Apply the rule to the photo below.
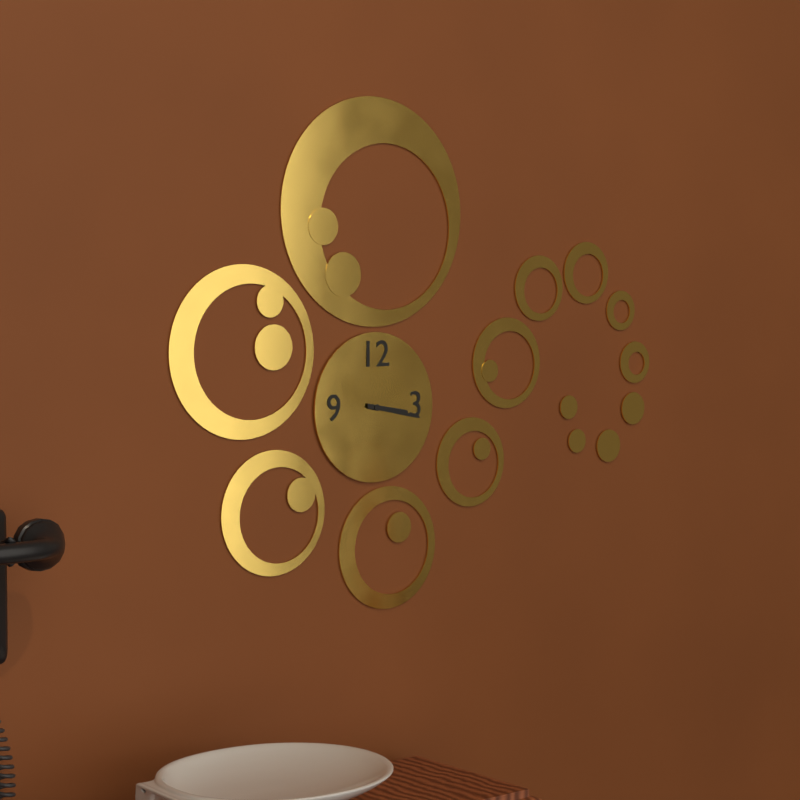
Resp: 3.17
